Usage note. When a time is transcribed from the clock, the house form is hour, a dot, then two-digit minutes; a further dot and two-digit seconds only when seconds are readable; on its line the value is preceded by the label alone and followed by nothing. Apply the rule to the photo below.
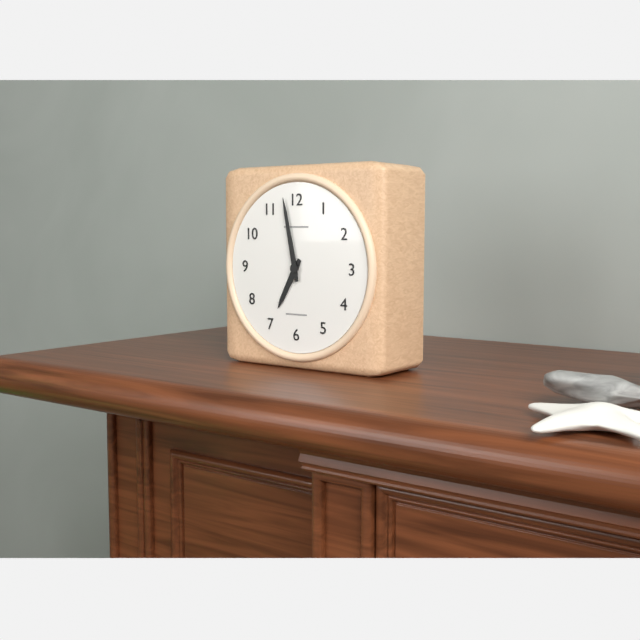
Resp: 6.58
